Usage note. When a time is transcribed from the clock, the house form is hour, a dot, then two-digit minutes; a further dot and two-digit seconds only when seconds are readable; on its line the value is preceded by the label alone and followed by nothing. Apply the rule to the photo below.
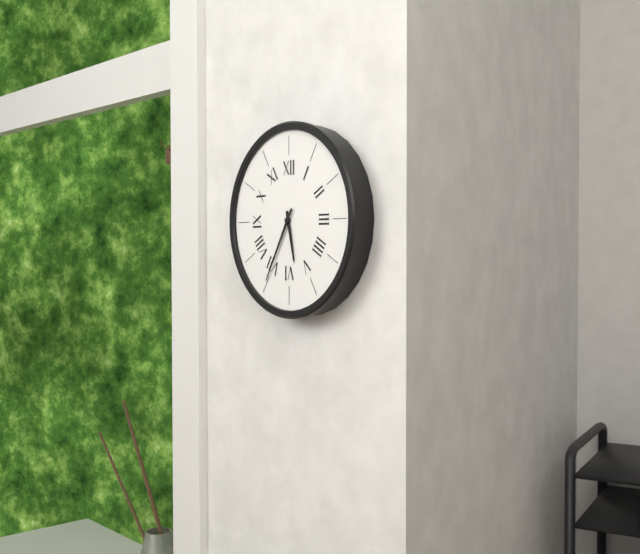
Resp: 5.35
